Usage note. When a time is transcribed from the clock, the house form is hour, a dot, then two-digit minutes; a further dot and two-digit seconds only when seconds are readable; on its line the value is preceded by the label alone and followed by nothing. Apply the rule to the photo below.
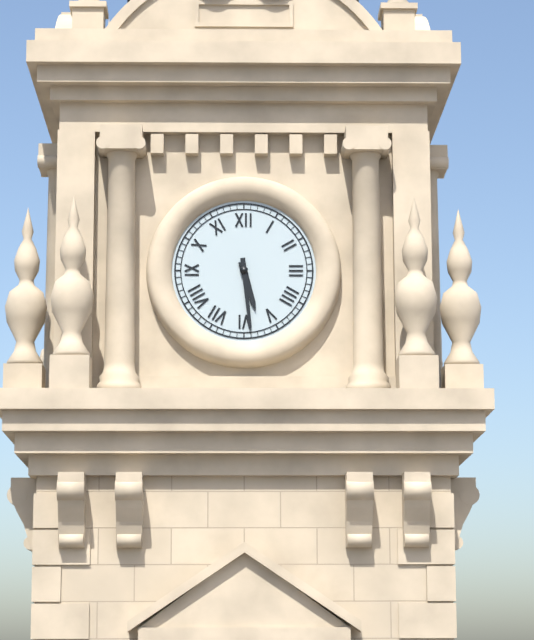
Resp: 5.29
